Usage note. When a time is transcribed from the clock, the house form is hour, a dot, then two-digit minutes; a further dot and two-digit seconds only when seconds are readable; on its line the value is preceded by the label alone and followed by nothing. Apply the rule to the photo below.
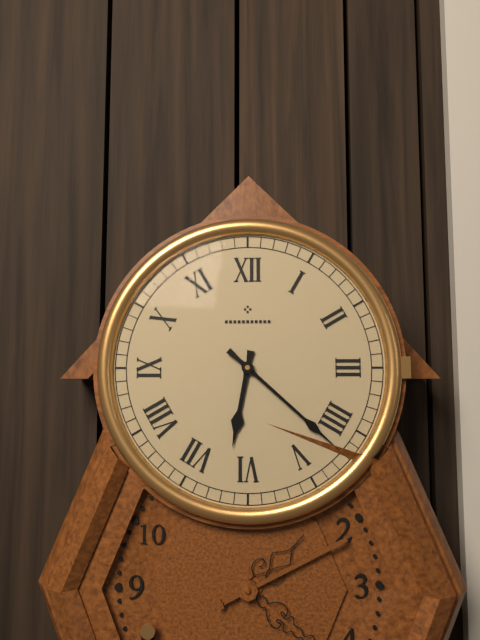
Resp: 6.22
